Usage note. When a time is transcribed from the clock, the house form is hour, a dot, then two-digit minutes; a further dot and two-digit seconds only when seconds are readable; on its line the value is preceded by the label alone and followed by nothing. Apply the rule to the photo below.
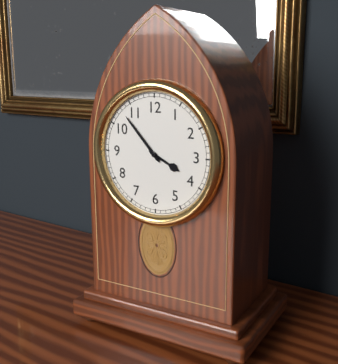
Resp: 3.53
